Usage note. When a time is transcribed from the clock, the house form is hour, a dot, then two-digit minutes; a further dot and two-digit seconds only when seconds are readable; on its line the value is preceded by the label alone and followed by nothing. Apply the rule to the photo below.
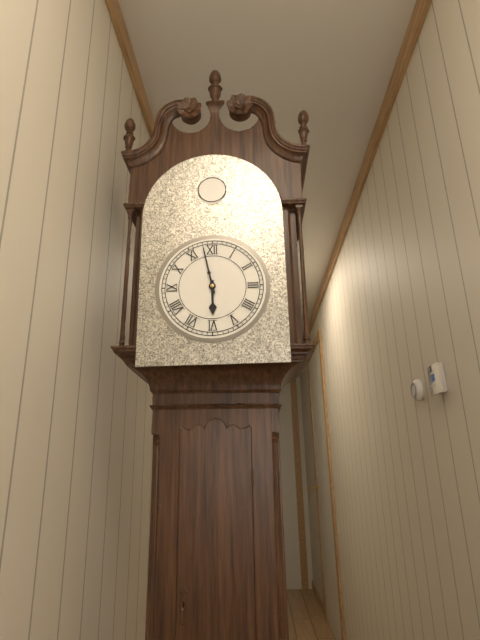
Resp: 5.58
